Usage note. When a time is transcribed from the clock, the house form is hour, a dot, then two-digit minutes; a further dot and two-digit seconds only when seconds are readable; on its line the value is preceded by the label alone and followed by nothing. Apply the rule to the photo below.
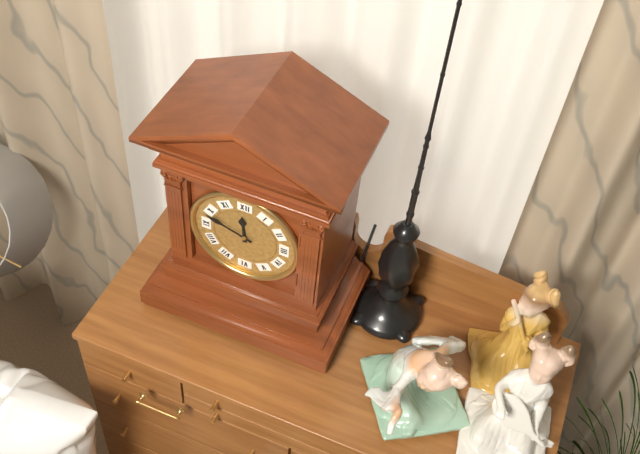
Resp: 11.48
